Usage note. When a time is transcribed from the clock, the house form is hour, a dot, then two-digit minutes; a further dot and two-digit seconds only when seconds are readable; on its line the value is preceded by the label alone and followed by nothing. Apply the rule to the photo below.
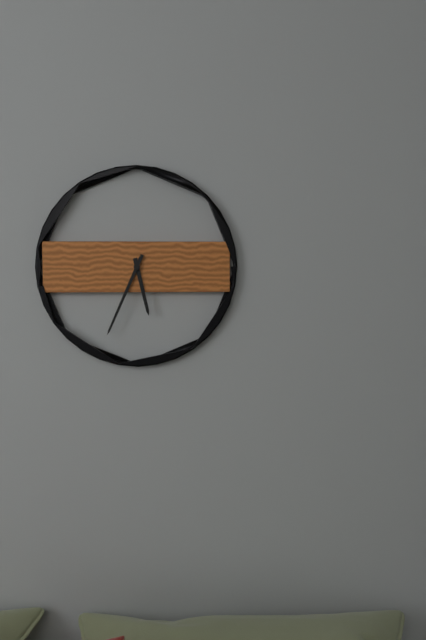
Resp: 5.34
